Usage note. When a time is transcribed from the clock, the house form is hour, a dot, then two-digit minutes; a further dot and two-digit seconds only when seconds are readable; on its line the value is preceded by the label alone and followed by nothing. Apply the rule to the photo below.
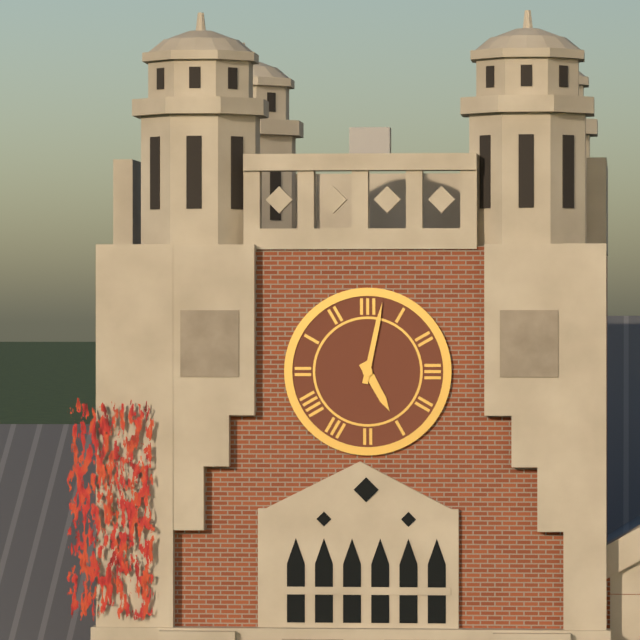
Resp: 5.02
